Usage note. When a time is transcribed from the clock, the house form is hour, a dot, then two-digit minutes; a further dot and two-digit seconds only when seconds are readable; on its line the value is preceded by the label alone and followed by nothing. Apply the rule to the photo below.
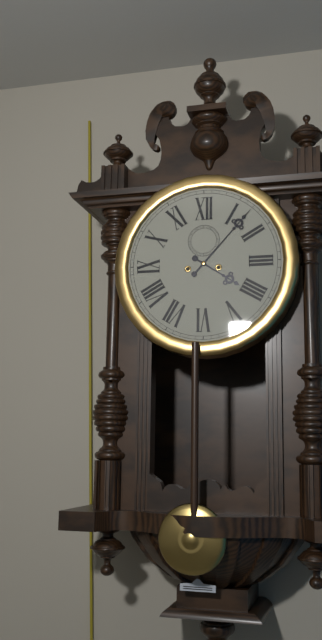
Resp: 4.07
